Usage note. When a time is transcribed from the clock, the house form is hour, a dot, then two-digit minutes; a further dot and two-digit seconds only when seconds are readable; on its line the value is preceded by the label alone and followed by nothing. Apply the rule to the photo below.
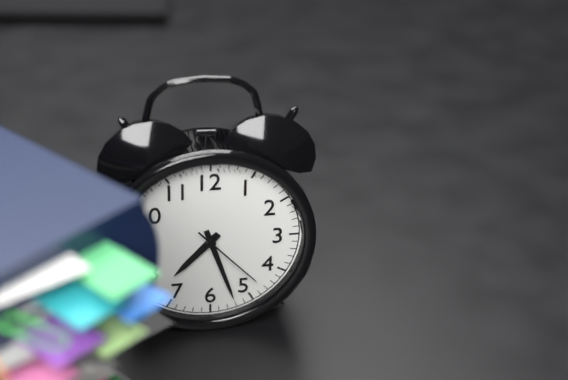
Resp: 7.27.23
